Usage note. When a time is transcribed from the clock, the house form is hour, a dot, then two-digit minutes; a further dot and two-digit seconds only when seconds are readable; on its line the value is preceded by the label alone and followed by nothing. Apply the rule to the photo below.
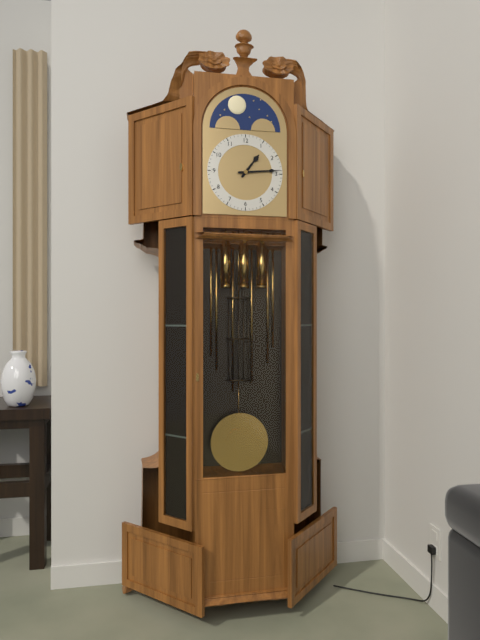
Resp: 1.14
